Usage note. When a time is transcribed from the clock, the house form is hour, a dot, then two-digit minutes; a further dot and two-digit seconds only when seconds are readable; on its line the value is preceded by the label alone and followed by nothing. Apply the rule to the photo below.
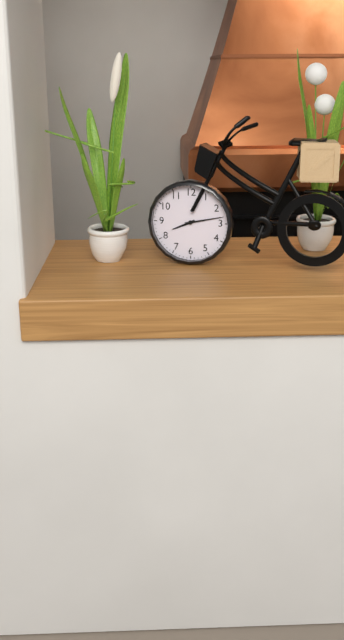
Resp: 8.13
